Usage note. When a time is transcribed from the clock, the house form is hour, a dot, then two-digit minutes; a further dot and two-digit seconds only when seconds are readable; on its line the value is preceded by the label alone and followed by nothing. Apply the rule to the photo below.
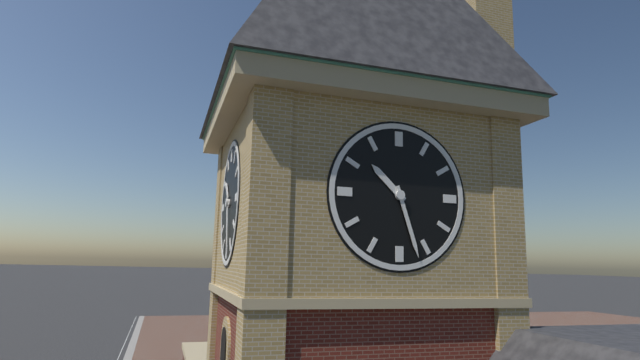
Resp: 10.27
